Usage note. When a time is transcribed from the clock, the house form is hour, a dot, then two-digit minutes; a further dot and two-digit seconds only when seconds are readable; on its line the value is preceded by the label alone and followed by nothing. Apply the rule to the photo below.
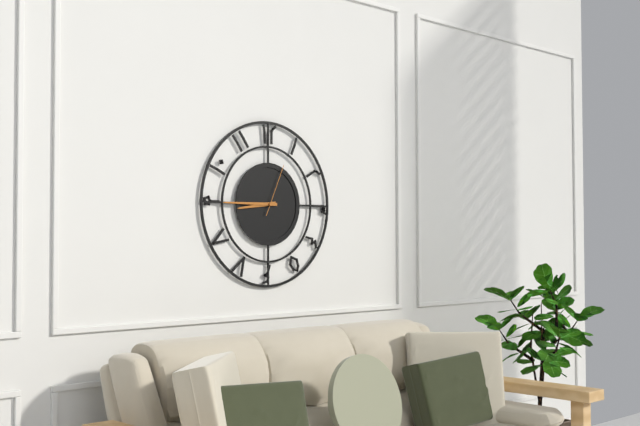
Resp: 8.45.04
